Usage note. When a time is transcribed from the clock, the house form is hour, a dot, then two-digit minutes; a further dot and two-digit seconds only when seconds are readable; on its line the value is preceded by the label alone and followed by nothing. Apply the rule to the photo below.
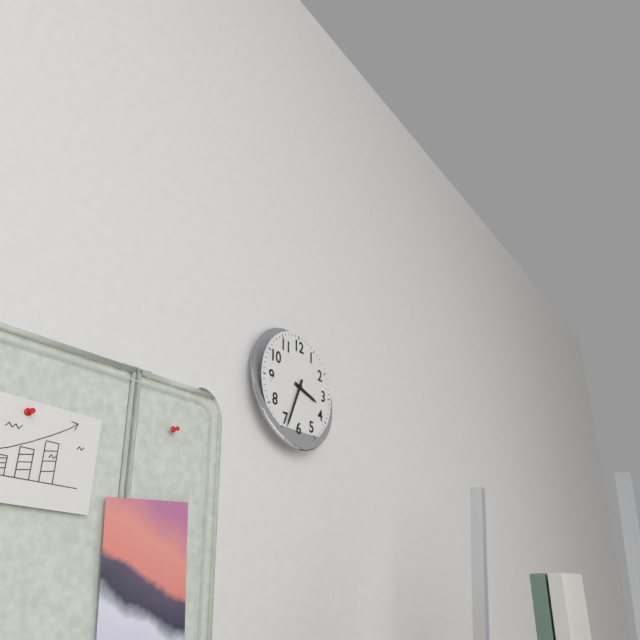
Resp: 3.34
